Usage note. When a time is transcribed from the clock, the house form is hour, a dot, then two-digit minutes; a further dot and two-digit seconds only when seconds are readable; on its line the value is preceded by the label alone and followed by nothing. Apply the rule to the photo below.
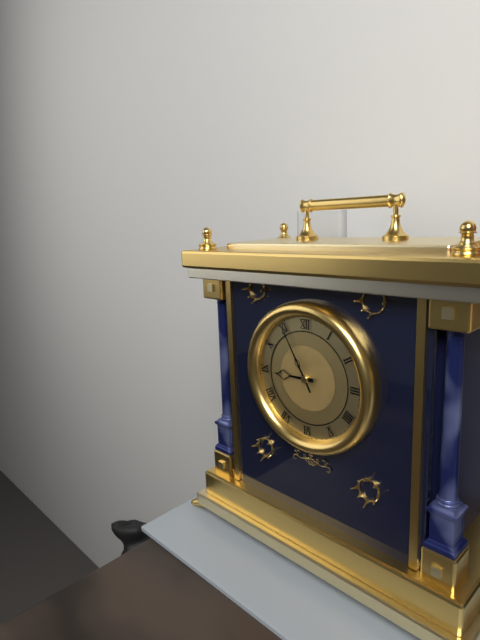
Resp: 8.55
